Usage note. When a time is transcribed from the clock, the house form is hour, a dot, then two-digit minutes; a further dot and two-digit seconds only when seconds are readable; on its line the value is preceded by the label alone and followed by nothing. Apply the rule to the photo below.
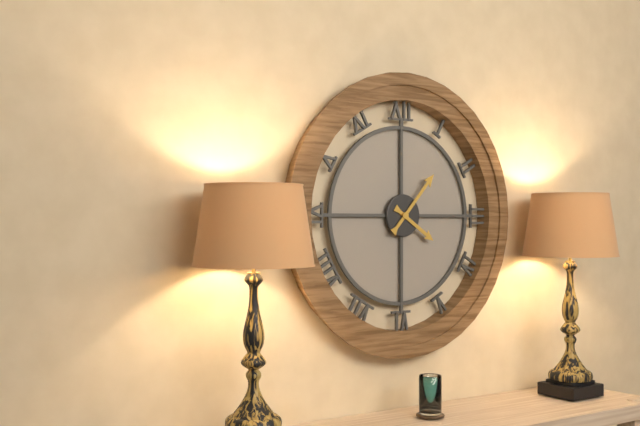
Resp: 4.07
